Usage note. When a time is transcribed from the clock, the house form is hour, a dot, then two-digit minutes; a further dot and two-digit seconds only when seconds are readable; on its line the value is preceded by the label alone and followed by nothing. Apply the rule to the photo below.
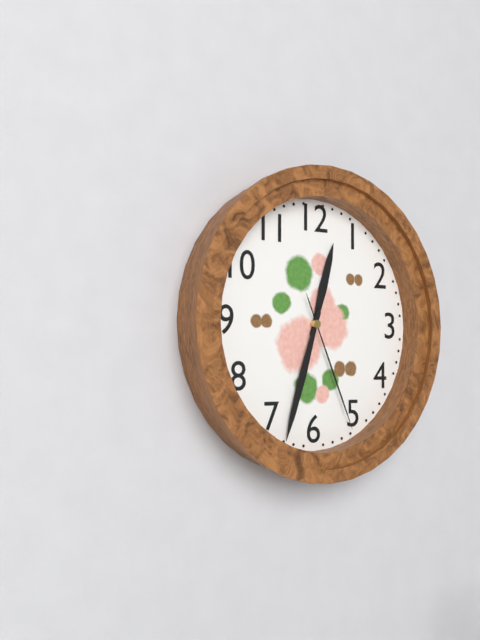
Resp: 12.33.26
